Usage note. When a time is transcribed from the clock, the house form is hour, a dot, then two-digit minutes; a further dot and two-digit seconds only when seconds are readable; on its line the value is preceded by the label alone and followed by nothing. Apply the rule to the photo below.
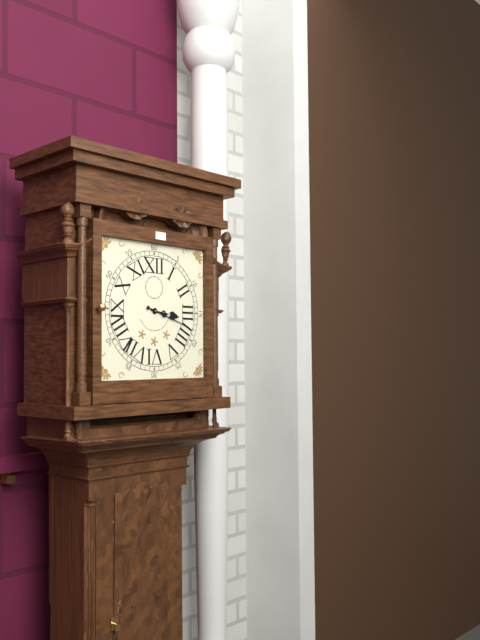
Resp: 3.18
